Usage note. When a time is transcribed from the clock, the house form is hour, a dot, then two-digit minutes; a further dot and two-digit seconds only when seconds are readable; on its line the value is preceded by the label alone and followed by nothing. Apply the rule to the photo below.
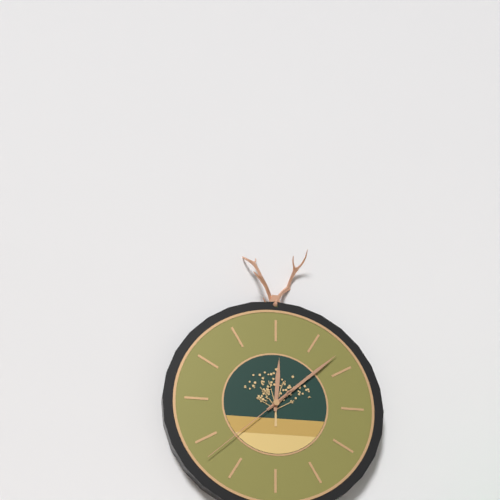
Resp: 12.08.38
